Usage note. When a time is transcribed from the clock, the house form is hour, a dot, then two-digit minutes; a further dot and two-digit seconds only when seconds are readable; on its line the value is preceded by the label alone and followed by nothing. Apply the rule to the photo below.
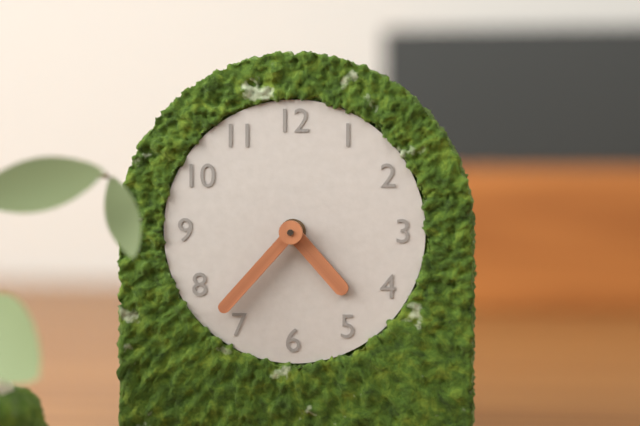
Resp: 4.37
